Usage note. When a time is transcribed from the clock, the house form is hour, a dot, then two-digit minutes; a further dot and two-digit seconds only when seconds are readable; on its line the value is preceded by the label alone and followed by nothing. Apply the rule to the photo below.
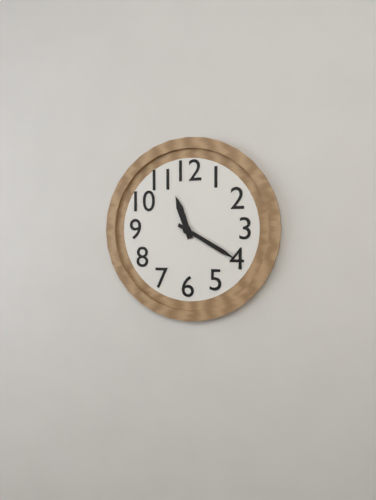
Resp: 11.20
